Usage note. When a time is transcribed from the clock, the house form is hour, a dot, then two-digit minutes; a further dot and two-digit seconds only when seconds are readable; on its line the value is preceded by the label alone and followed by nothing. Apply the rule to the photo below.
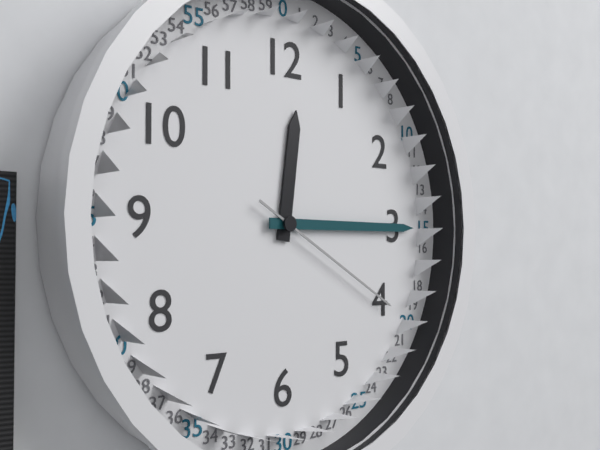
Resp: 12.15.20
